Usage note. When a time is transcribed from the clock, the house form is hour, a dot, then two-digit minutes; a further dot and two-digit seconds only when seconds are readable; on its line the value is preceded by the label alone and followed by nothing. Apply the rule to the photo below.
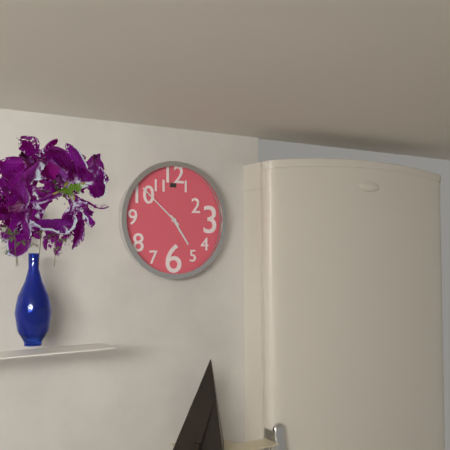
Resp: 4.52
